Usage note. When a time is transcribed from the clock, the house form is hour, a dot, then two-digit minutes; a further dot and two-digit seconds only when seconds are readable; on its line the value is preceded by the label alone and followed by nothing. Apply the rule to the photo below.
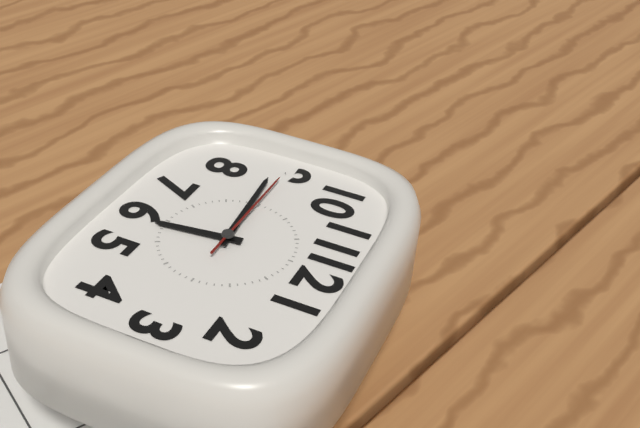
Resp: 5.44.45
